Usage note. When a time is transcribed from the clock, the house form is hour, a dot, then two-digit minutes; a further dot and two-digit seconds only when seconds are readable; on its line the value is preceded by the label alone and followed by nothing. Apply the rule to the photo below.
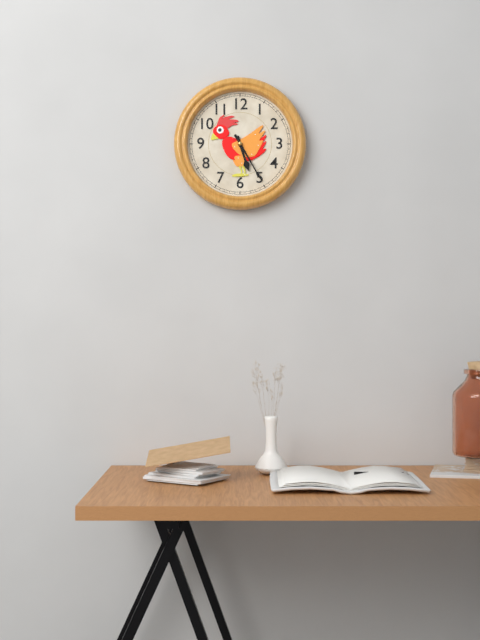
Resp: 5.25
